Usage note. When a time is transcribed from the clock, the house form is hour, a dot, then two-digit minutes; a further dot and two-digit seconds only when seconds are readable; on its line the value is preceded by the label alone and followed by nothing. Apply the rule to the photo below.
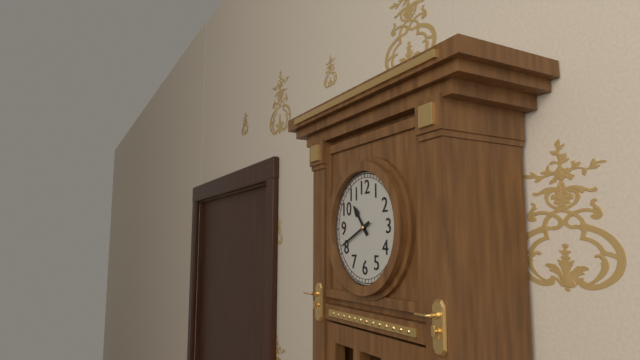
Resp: 10.41
